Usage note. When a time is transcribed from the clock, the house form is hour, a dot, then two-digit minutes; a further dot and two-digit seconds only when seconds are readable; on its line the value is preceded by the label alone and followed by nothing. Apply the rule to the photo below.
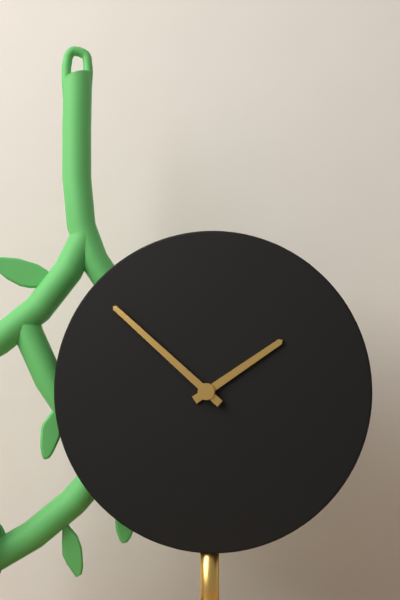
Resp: 1.52
